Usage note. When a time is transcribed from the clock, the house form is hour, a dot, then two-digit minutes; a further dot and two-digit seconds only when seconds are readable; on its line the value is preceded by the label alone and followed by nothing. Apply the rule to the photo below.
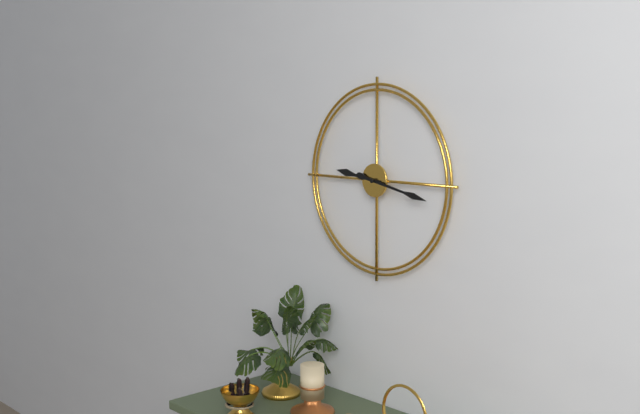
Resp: 9.17
